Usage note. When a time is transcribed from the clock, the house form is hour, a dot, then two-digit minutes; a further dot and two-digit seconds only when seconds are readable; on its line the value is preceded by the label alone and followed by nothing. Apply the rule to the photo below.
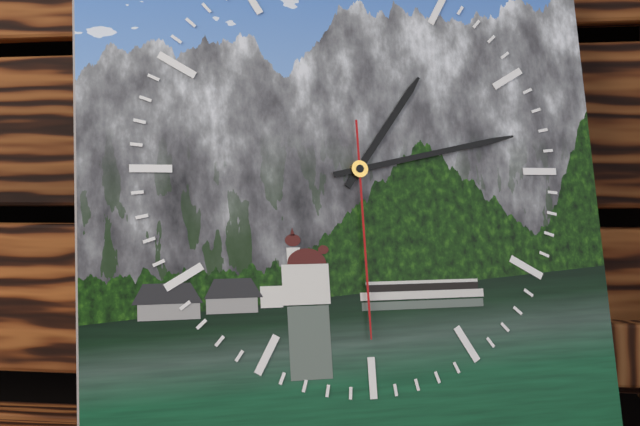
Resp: 1.13.30
